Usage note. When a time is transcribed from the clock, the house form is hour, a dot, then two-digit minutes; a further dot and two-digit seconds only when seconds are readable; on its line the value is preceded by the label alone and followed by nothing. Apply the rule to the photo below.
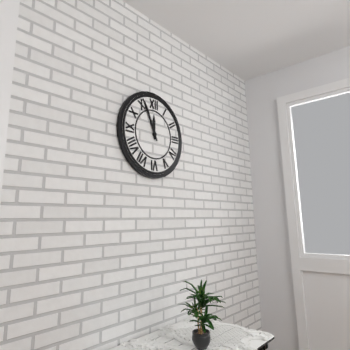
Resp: 11.56
